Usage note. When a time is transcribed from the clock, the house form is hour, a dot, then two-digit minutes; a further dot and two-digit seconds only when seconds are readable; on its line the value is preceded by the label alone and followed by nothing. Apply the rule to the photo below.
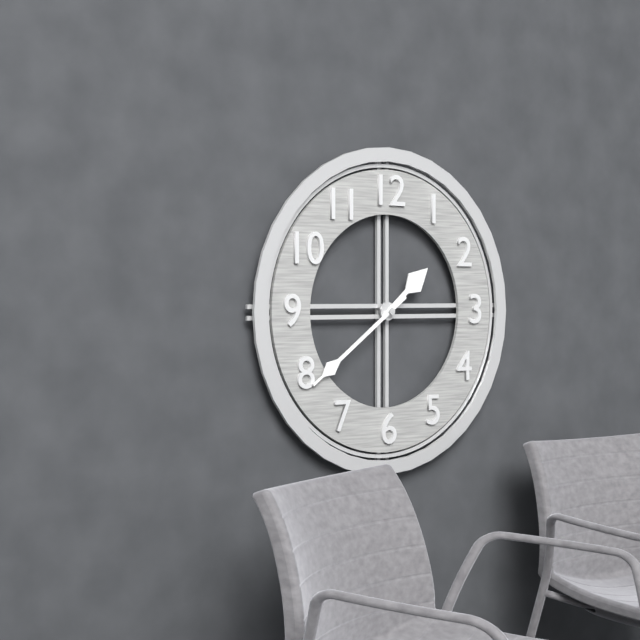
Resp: 1.39
